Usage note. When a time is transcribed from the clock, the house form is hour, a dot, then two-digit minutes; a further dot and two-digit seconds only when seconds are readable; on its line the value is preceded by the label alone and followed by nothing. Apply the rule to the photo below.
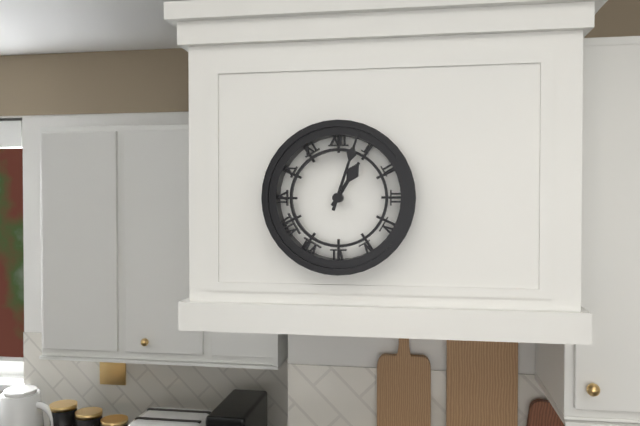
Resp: 1.03
